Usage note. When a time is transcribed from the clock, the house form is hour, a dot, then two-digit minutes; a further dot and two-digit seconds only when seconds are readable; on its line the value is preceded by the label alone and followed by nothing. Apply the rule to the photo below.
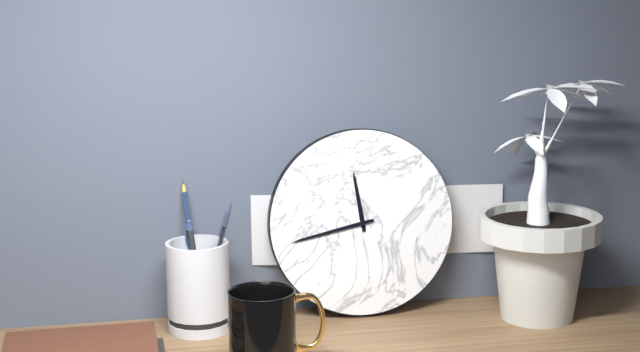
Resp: 11.43
